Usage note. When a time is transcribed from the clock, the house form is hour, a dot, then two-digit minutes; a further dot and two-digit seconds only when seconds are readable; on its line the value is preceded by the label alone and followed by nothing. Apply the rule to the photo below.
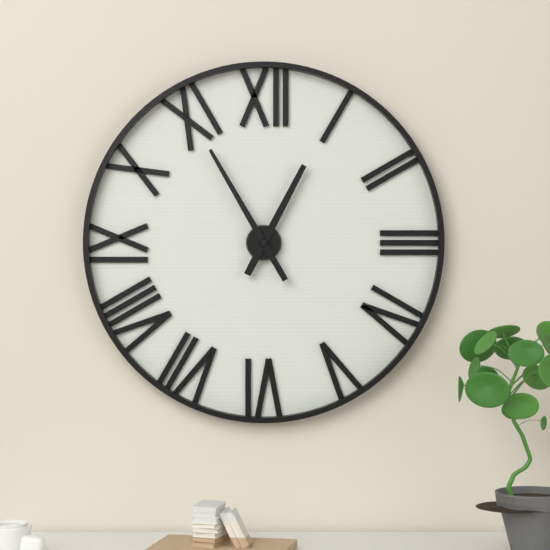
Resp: 12.55
